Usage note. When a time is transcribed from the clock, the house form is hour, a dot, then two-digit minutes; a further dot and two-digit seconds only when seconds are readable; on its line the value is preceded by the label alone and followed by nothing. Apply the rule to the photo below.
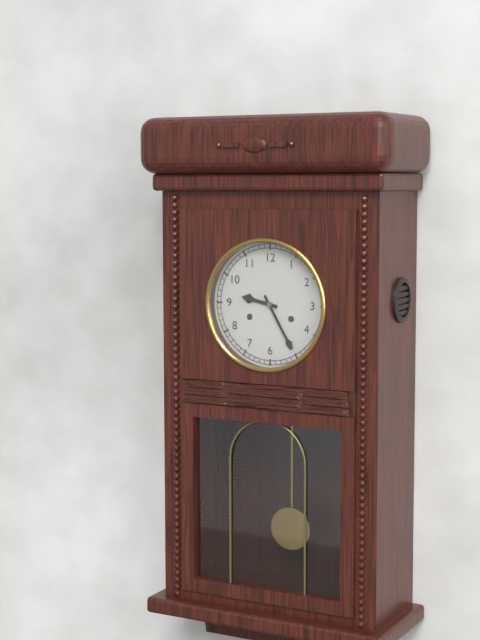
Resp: 9.25
